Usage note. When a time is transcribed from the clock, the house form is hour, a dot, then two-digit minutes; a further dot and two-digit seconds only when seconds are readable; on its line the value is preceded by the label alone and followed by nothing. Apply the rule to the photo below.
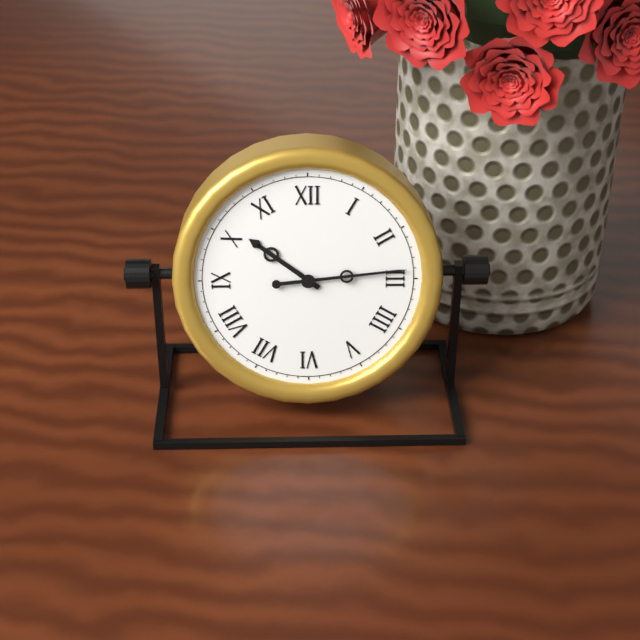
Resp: 10.14
